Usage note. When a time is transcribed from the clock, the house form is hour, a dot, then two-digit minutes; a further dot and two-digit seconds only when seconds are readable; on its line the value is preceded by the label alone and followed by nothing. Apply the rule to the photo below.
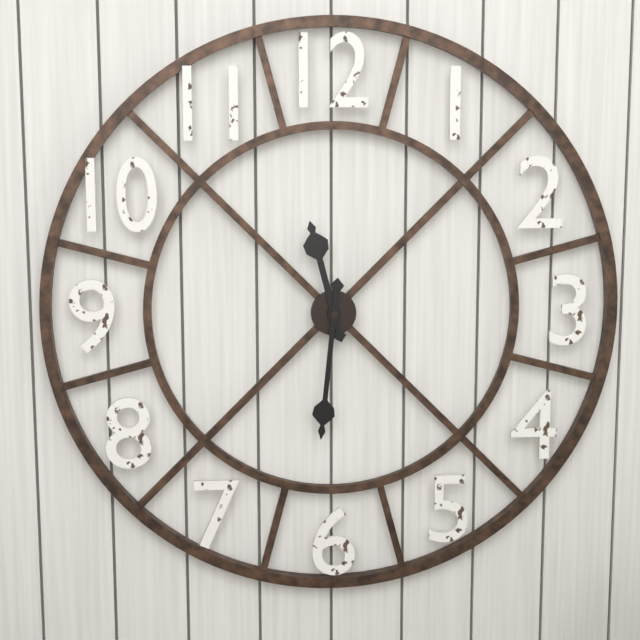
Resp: 11.31
